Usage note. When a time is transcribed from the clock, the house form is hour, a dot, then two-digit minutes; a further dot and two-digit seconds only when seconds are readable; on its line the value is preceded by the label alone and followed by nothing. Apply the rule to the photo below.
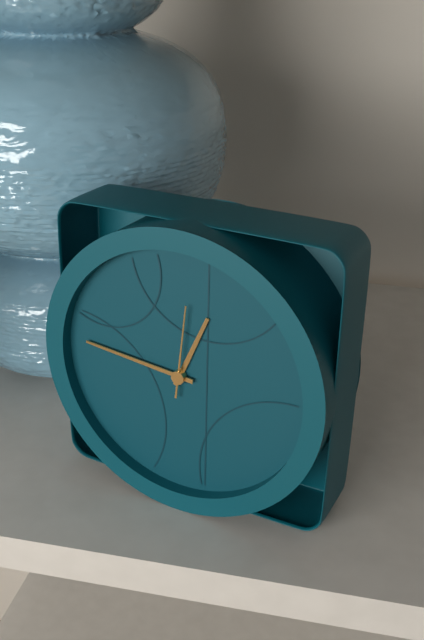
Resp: 12.46.01
